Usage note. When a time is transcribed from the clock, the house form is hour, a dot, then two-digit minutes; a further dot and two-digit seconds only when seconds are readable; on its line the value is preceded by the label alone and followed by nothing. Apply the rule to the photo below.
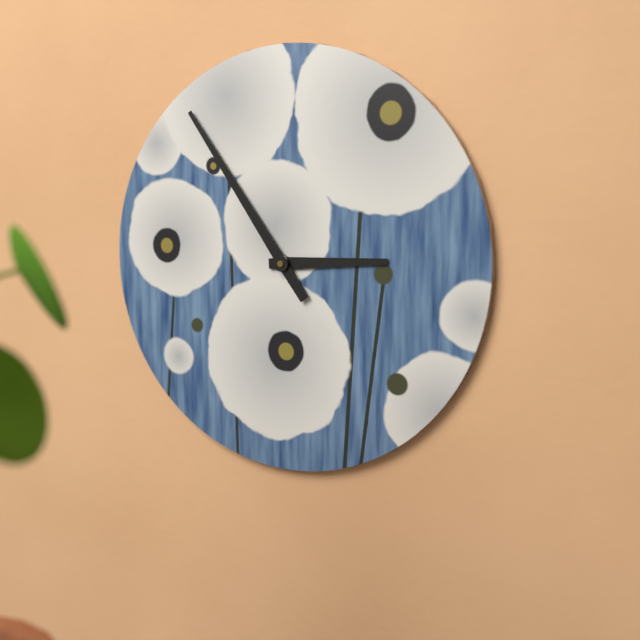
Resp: 2.54
